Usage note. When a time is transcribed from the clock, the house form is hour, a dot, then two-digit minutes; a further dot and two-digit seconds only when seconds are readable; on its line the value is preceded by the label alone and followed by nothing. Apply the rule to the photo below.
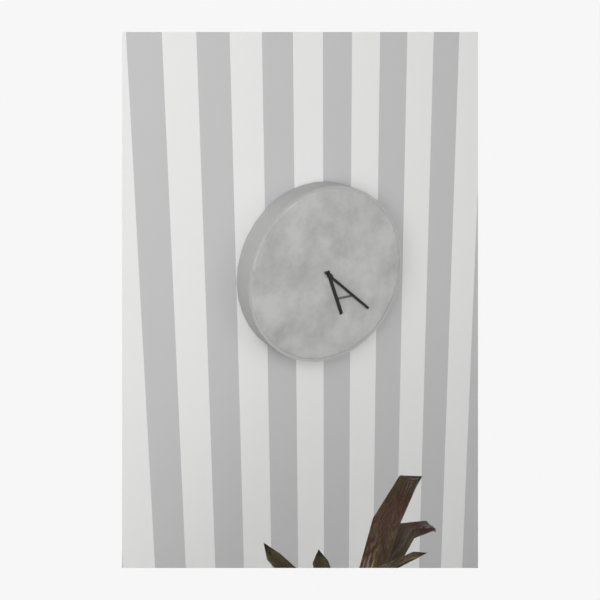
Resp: 5.22
